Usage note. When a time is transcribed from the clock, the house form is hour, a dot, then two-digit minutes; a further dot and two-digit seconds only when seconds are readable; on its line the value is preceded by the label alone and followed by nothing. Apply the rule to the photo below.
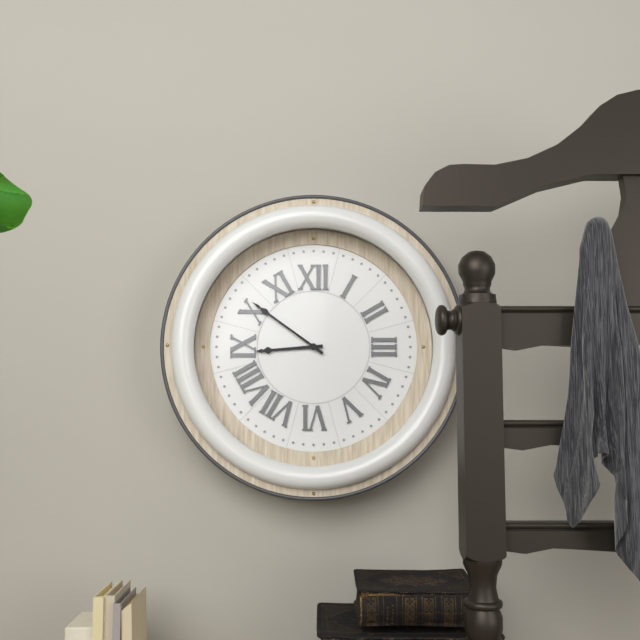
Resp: 8.51
